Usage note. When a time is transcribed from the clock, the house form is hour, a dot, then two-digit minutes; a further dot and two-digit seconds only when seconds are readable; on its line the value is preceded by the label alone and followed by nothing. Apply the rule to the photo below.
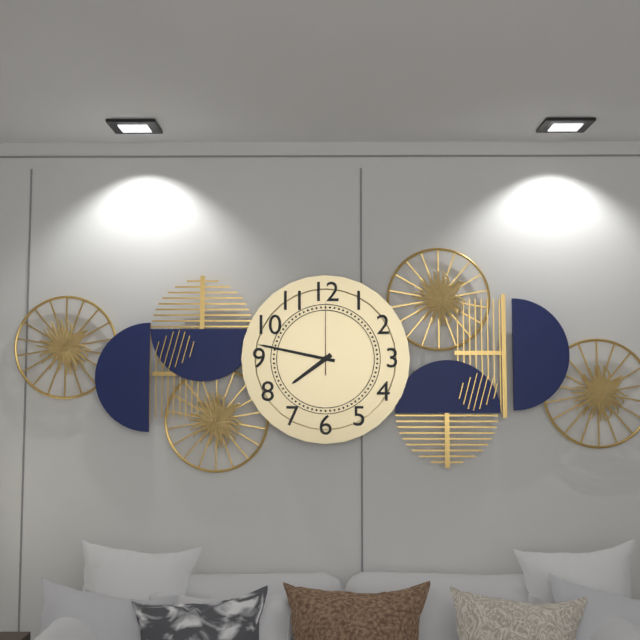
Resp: 7.47.00
